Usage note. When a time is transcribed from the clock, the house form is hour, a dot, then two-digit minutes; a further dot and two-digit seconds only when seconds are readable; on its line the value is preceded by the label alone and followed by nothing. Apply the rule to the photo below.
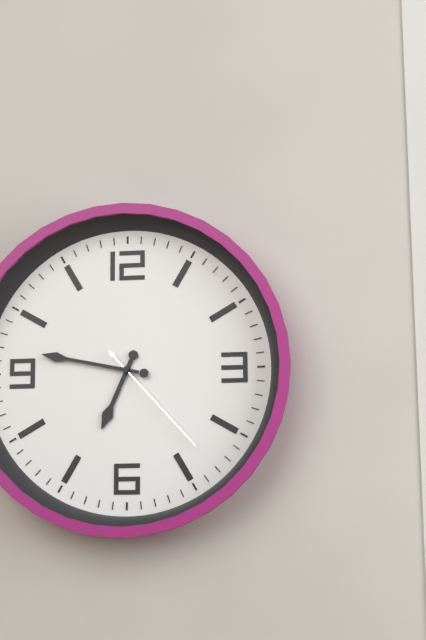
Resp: 6.47.23
